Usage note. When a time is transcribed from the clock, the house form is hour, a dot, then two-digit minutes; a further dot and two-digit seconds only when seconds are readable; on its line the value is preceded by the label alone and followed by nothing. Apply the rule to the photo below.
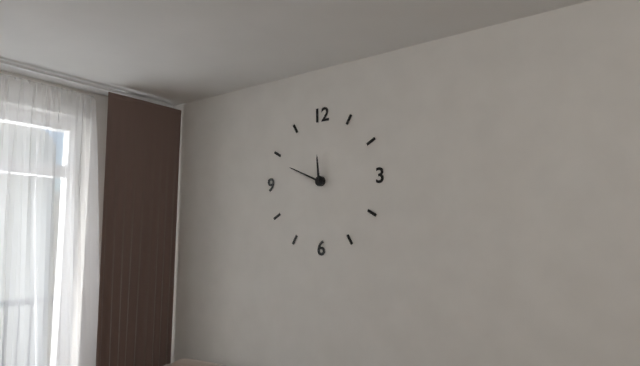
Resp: 11.49
